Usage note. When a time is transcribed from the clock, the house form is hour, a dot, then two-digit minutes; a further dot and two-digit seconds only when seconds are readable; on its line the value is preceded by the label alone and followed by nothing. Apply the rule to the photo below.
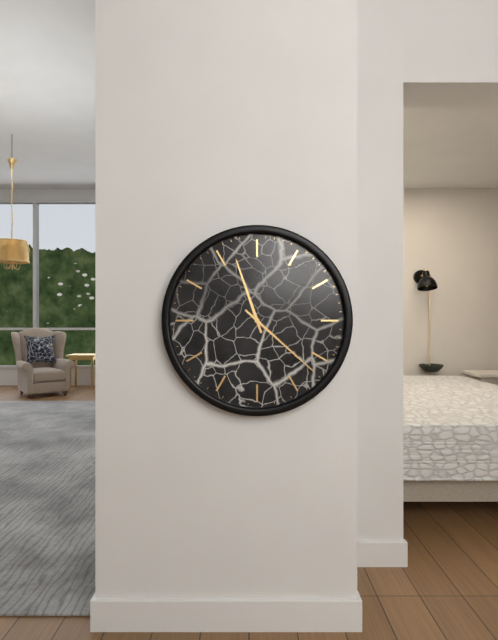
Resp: 11.22
